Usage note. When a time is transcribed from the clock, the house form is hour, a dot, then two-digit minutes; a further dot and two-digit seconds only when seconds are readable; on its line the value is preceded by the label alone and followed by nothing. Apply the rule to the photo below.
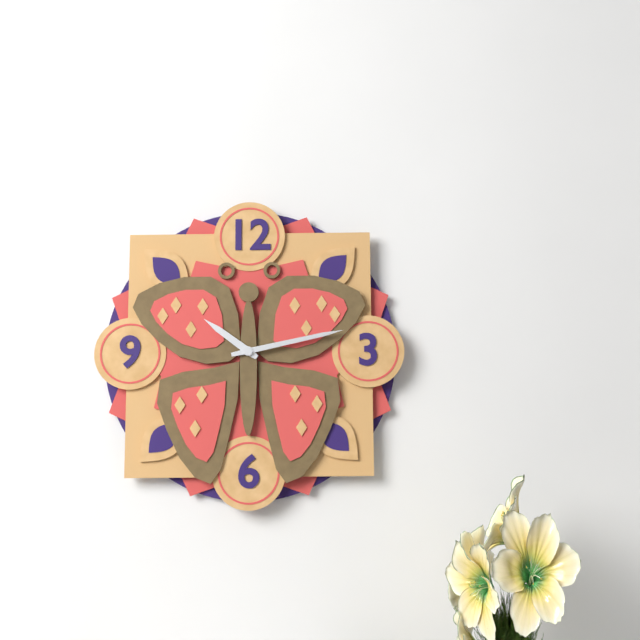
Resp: 10.13
